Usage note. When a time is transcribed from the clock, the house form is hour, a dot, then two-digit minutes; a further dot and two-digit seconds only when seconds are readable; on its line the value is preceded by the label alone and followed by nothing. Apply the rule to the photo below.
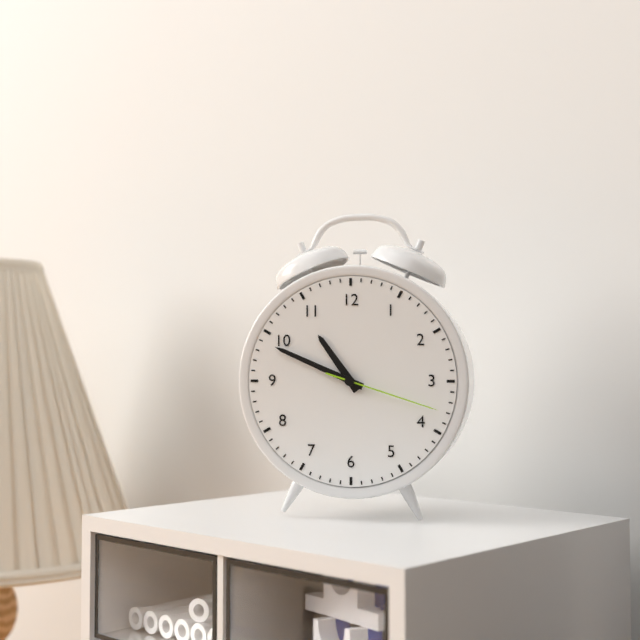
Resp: 10.49.18
